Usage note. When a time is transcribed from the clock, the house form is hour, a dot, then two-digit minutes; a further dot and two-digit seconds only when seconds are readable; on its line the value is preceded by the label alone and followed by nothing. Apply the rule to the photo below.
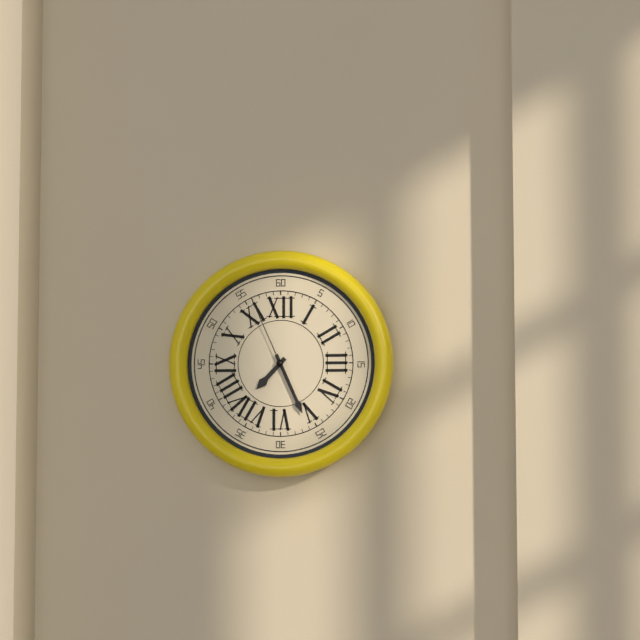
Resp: 7.26.56
